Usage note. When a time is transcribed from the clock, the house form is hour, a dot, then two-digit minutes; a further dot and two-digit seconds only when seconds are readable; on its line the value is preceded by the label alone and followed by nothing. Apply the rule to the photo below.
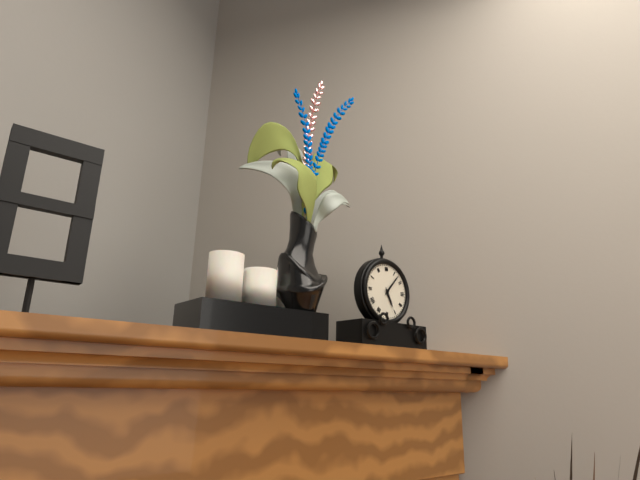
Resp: 5.07
